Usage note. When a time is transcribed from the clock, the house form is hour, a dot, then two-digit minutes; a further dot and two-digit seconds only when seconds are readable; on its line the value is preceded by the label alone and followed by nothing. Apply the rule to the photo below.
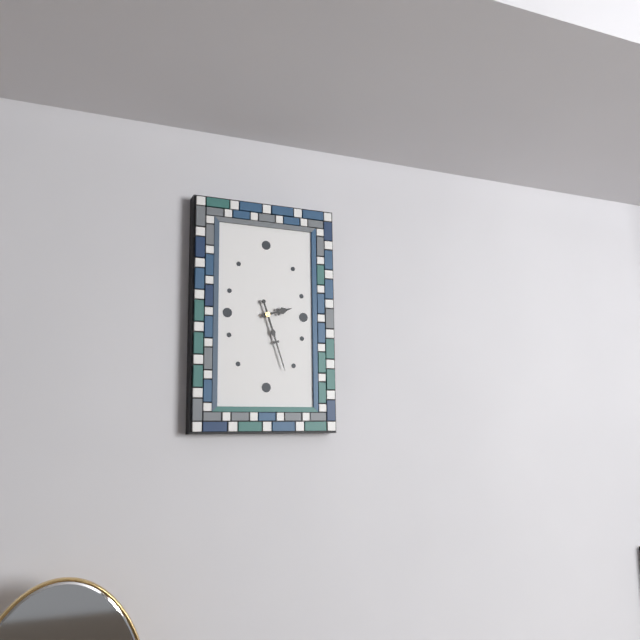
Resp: 2.27
